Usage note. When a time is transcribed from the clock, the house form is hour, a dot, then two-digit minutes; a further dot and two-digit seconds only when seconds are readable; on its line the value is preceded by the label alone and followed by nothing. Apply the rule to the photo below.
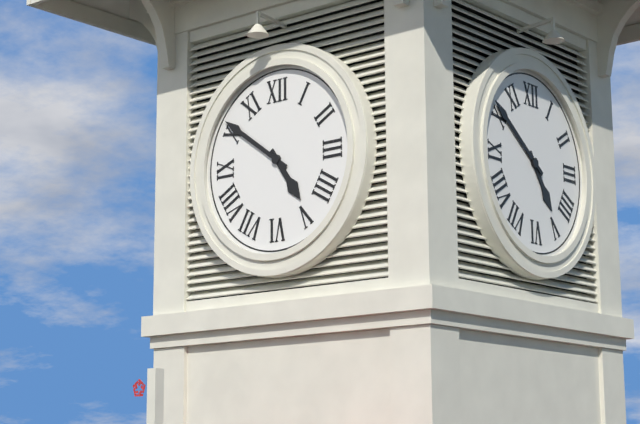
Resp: 4.51
